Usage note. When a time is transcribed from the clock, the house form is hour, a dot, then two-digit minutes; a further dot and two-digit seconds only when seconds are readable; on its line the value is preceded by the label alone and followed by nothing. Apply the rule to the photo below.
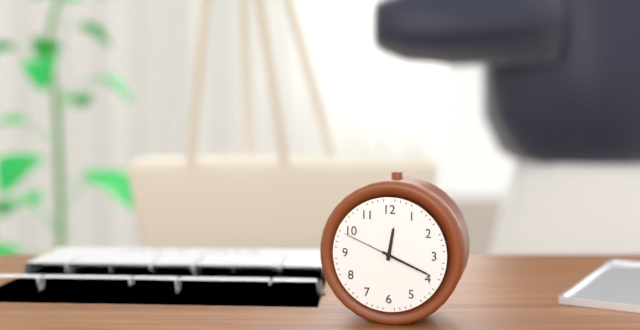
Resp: 12.19.49
